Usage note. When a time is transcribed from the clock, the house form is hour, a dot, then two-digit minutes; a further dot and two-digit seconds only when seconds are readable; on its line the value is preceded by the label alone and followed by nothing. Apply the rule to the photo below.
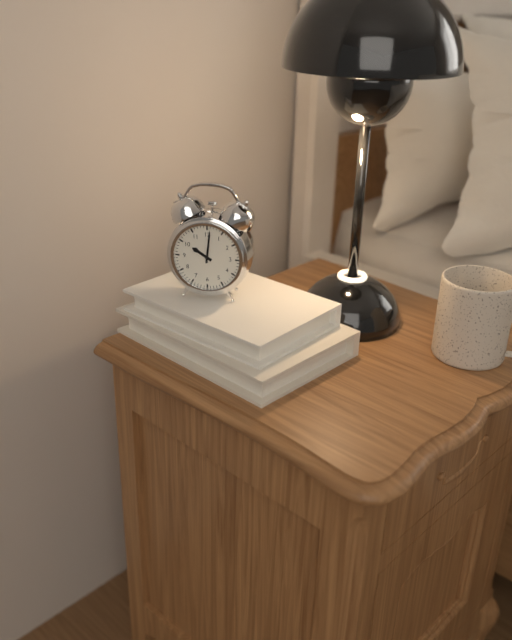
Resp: 10.01
